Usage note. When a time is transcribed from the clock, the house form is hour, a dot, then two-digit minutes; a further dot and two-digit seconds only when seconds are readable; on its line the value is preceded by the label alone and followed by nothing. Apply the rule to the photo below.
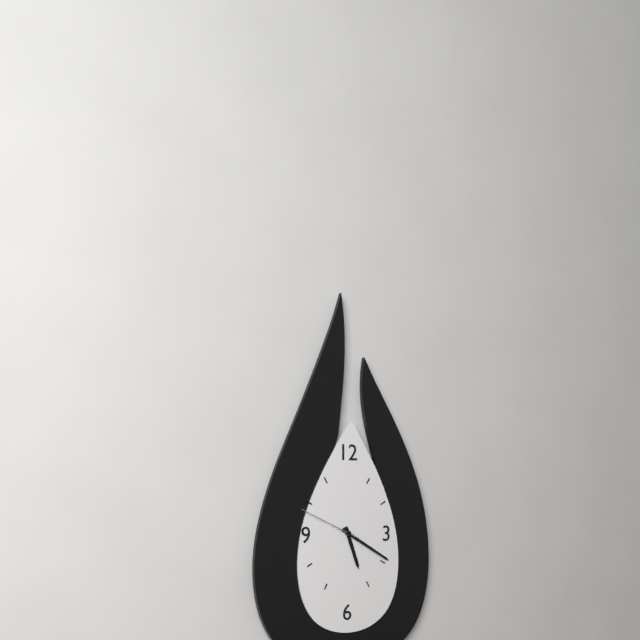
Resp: 5.20.49
